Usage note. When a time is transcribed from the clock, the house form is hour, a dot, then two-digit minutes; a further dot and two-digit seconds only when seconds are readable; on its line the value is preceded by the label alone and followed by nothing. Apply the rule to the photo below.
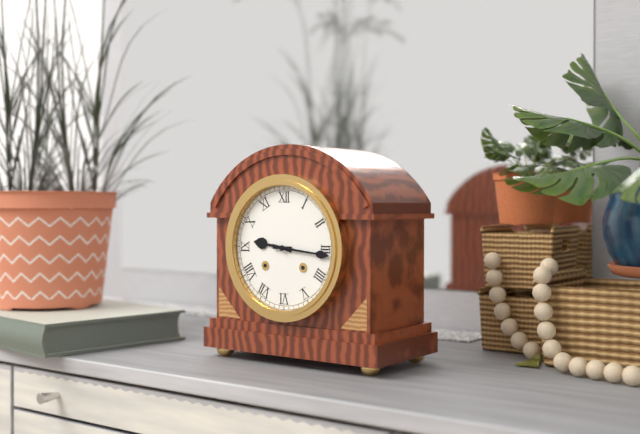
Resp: 9.16
